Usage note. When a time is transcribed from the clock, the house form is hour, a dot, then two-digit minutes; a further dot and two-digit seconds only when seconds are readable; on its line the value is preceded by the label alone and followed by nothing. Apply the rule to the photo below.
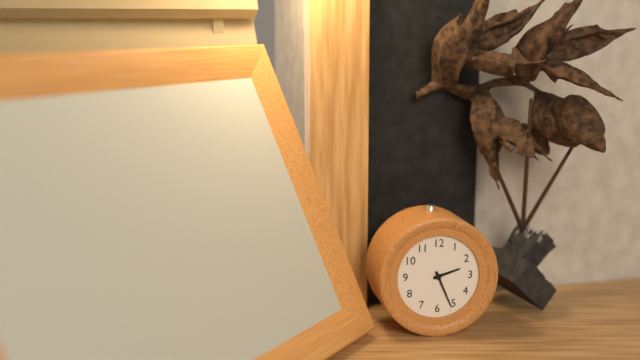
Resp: 2.26
